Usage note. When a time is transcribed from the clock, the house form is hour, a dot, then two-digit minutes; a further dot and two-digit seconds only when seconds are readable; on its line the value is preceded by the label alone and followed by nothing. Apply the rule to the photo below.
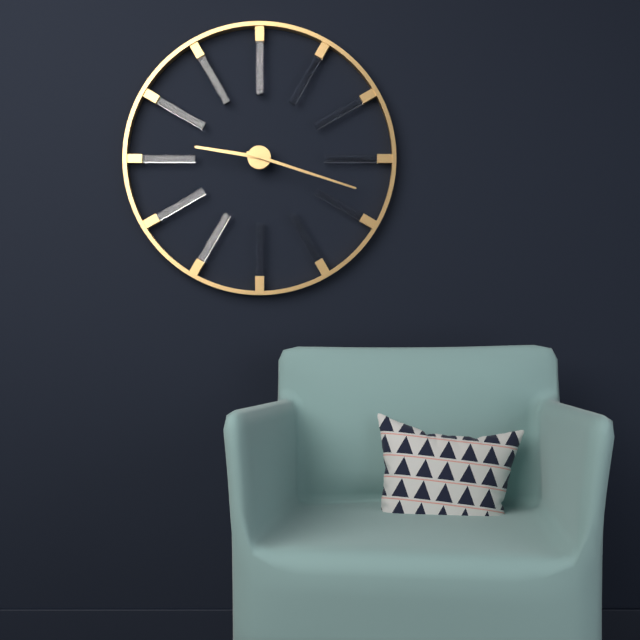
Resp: 9.18
